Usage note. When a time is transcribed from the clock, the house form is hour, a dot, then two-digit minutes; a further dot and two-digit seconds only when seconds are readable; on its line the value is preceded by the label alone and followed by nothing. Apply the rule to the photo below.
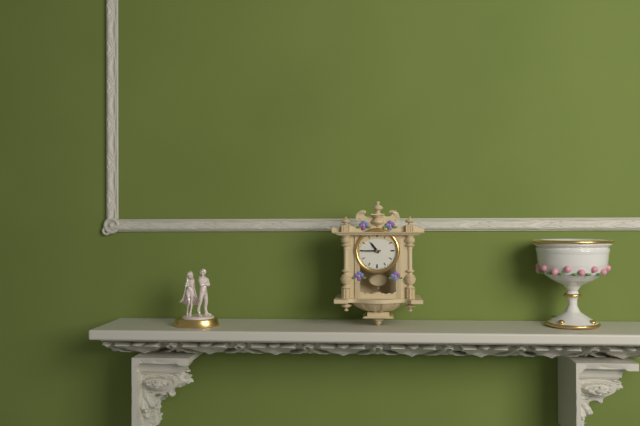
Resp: 10.45
